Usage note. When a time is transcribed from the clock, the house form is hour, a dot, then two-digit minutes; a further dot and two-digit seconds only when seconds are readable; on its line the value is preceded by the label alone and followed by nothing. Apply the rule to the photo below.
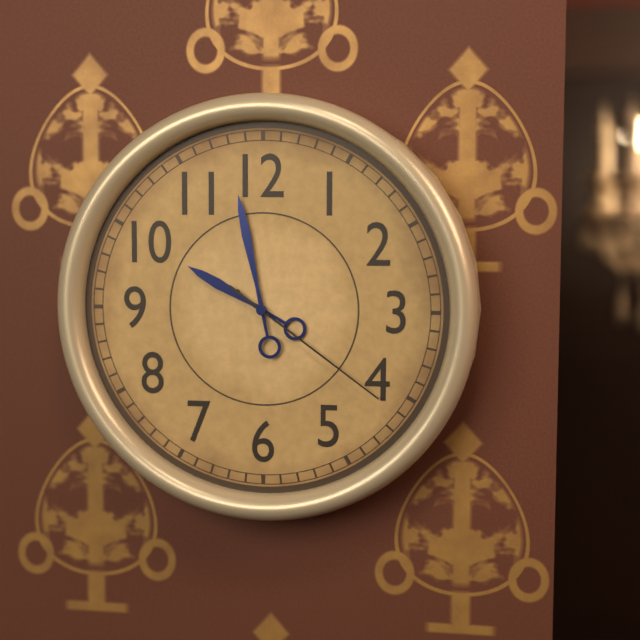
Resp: 9.58.21
